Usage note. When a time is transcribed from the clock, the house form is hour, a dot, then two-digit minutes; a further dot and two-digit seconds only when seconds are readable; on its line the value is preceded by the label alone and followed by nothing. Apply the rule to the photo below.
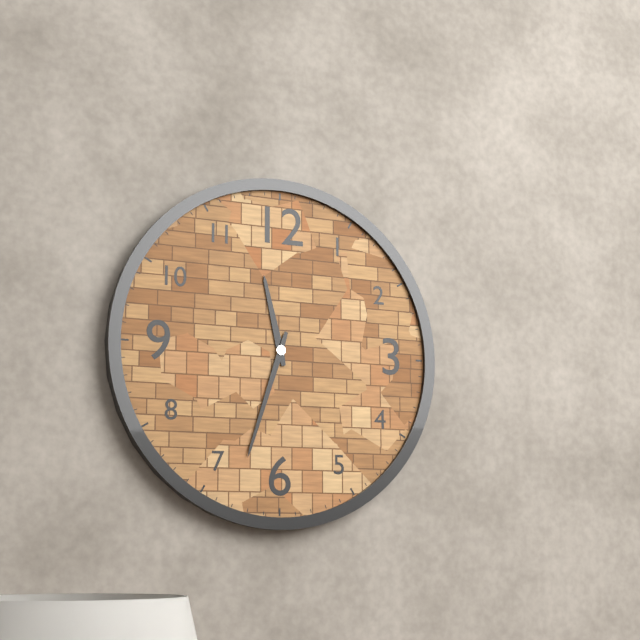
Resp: 11.33
